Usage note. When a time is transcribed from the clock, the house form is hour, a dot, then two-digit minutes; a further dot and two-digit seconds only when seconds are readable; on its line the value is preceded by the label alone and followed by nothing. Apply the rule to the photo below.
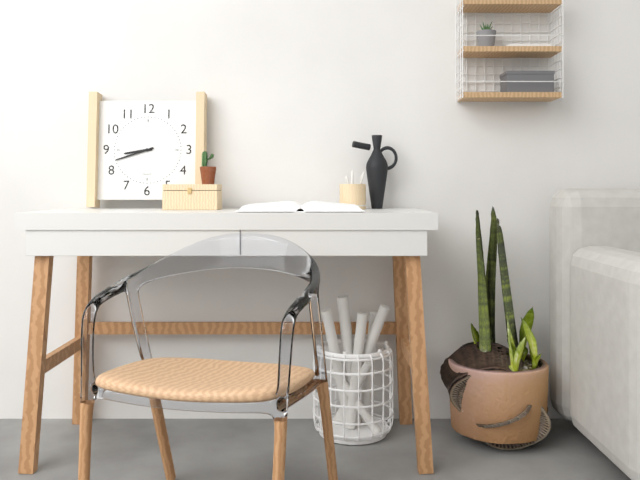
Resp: 8.42
